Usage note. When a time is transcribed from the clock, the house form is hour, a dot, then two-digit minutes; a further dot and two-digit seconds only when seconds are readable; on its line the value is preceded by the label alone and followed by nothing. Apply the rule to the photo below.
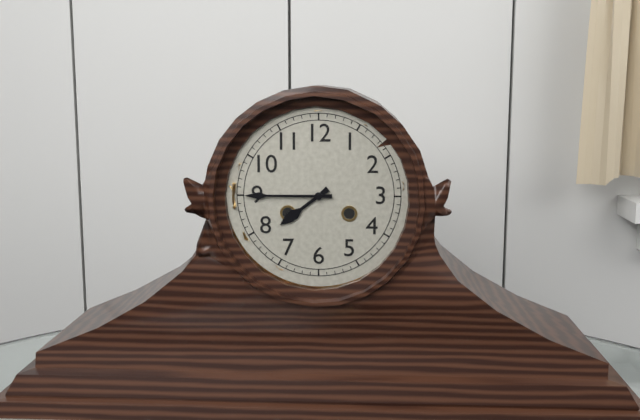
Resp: 7.45
